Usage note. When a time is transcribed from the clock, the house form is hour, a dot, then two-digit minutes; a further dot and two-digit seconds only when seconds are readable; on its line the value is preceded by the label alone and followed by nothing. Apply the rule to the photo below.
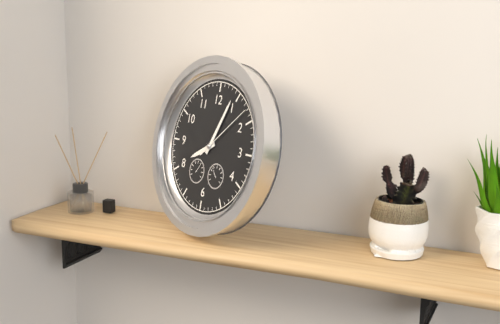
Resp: 8.04.08
